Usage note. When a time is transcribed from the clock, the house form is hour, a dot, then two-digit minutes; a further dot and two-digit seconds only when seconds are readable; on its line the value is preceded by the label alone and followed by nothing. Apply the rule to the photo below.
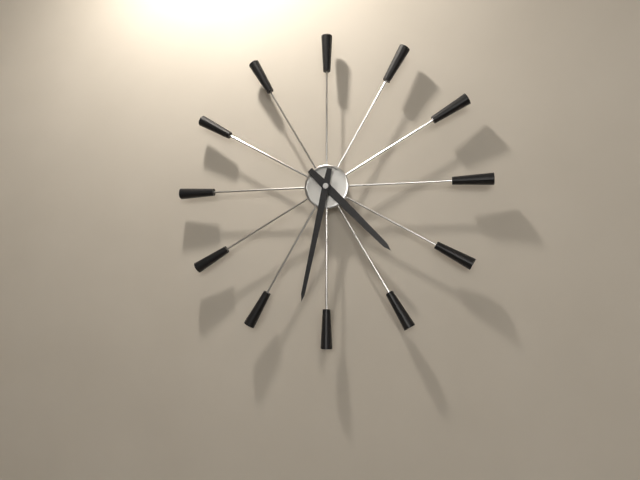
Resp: 4.32
